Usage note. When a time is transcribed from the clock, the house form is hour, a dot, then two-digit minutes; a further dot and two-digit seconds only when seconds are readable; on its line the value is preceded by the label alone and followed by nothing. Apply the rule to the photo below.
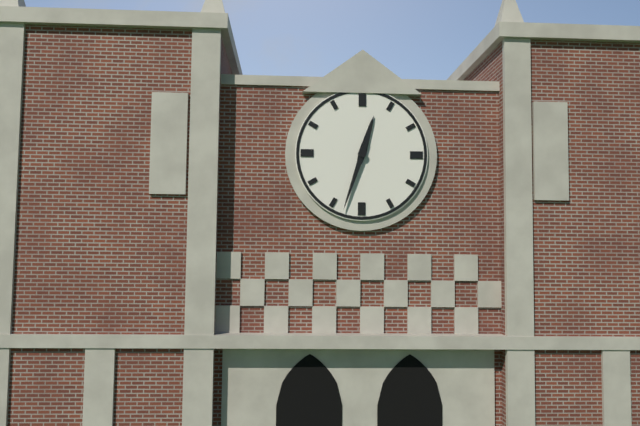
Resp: 12.33
